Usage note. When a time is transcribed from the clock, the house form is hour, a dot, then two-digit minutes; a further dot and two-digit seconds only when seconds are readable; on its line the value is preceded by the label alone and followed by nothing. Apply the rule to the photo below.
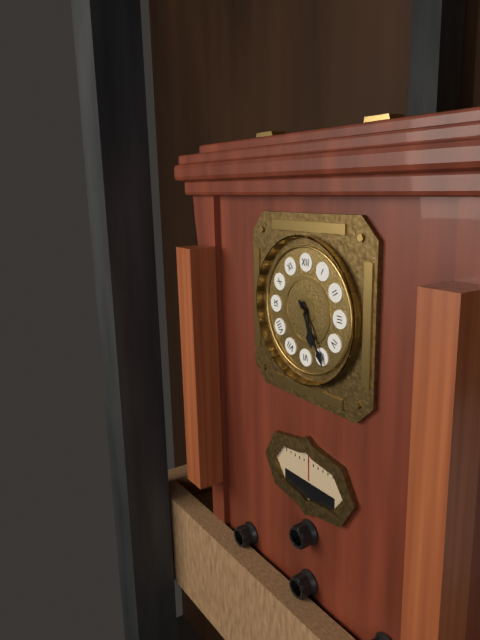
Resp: 5.25
